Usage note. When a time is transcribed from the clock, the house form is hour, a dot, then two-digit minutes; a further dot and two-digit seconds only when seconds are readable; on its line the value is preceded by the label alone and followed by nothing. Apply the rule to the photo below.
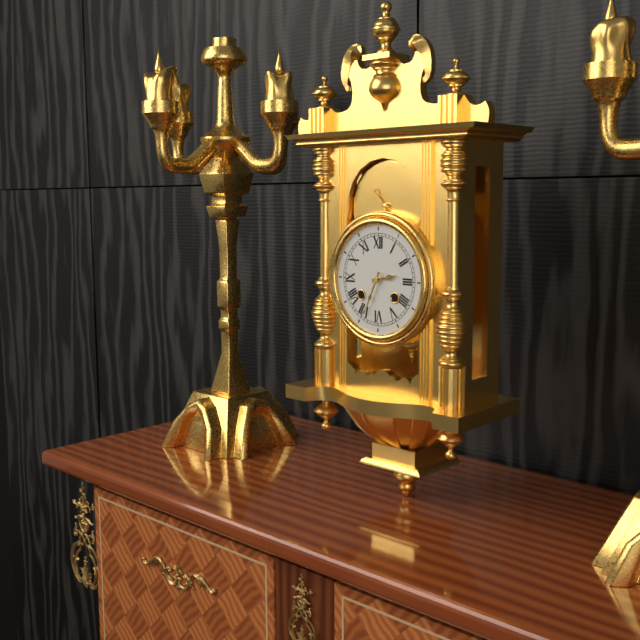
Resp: 2.34
